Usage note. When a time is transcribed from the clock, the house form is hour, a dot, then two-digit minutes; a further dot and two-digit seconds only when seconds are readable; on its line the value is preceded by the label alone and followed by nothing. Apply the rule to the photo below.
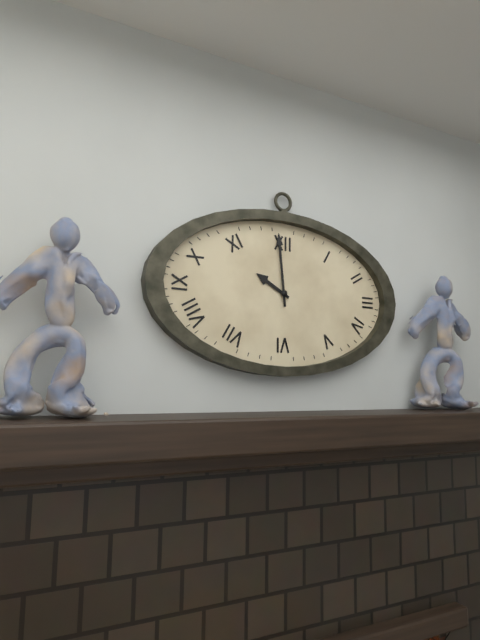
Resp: 9.59
